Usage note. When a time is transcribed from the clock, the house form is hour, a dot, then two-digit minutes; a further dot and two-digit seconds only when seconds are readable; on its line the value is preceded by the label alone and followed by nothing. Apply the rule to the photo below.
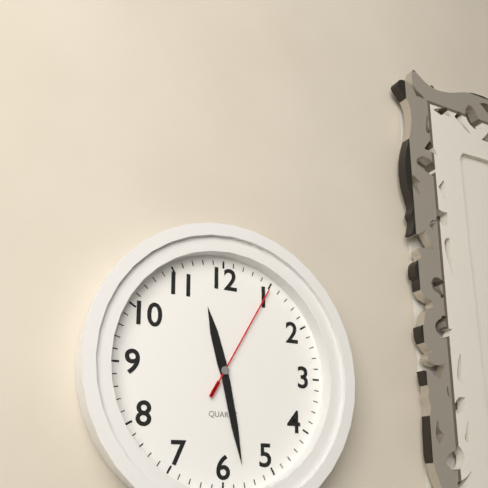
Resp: 11.28.05
